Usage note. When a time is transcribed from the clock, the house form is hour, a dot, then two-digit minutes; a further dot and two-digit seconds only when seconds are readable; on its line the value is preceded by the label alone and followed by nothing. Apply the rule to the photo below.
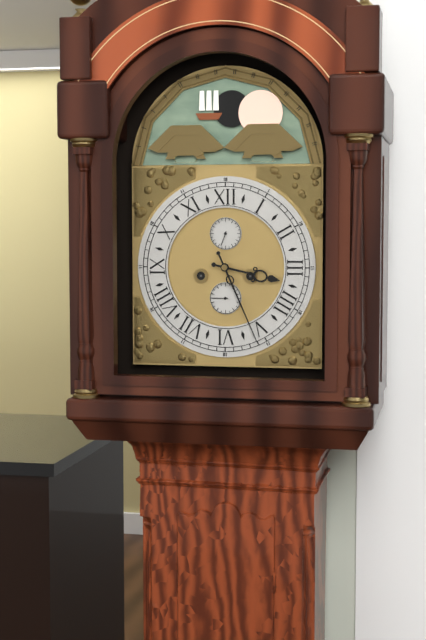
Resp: 3.26
